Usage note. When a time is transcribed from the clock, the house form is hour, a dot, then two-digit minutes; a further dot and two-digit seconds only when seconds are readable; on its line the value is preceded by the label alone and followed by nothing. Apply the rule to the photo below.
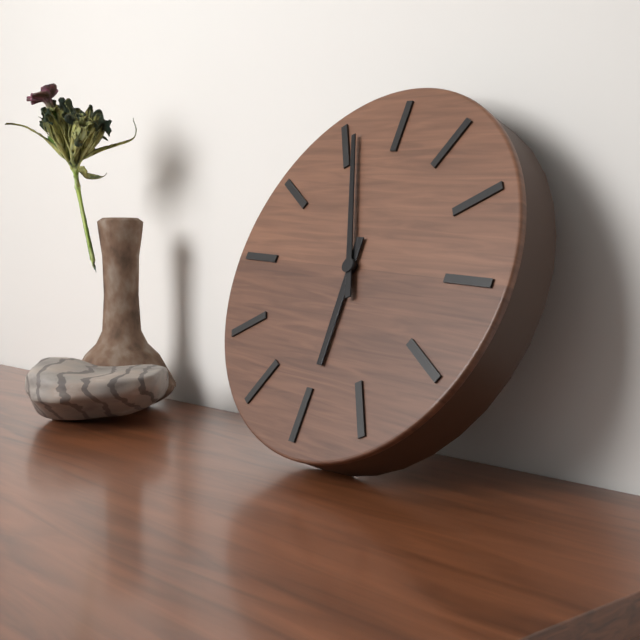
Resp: 5.56
